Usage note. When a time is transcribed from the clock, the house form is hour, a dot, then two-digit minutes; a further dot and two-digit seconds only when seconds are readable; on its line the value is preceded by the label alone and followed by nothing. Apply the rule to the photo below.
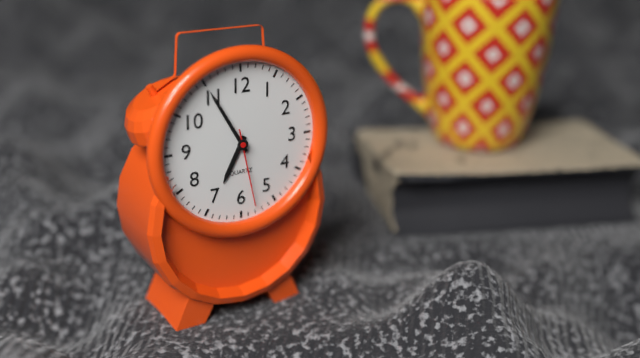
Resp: 6.55.28
